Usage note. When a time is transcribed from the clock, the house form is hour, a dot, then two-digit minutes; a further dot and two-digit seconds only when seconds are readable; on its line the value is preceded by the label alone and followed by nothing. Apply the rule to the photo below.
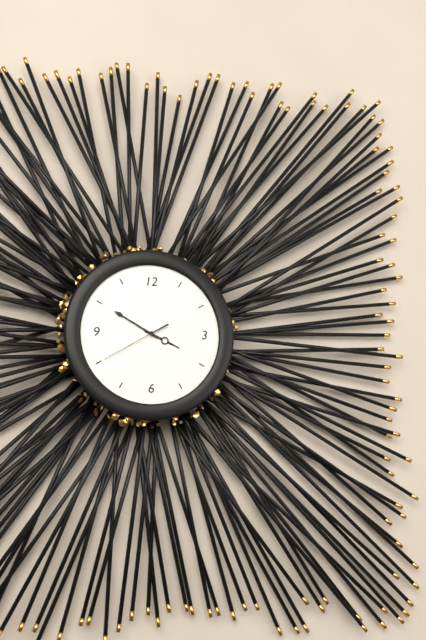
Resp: 3.50.40
